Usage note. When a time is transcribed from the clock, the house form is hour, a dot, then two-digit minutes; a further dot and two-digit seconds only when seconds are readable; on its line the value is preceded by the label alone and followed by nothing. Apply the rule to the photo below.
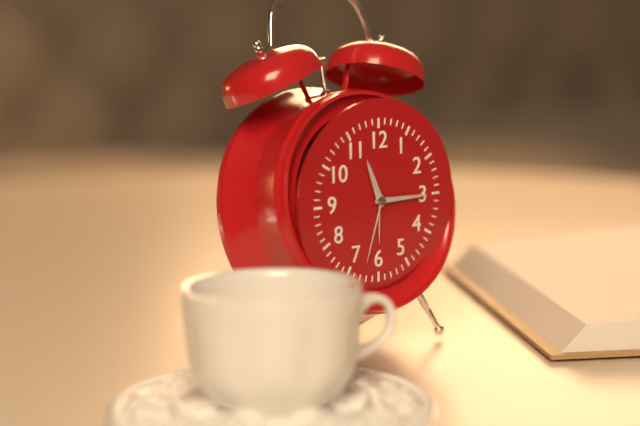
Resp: 11.15.33
